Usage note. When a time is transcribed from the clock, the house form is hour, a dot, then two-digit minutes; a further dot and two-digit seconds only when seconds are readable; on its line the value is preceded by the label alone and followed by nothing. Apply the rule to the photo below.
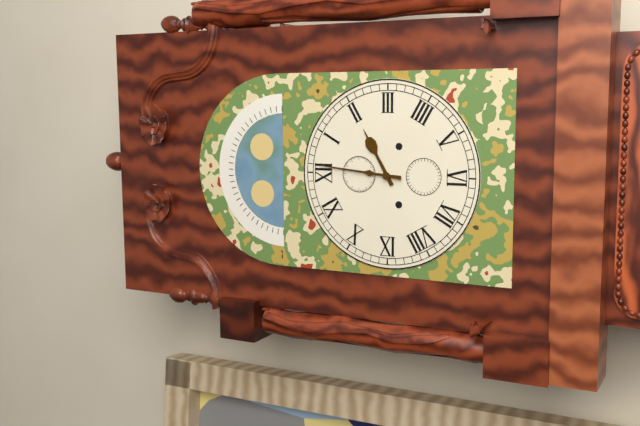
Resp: 2.01
